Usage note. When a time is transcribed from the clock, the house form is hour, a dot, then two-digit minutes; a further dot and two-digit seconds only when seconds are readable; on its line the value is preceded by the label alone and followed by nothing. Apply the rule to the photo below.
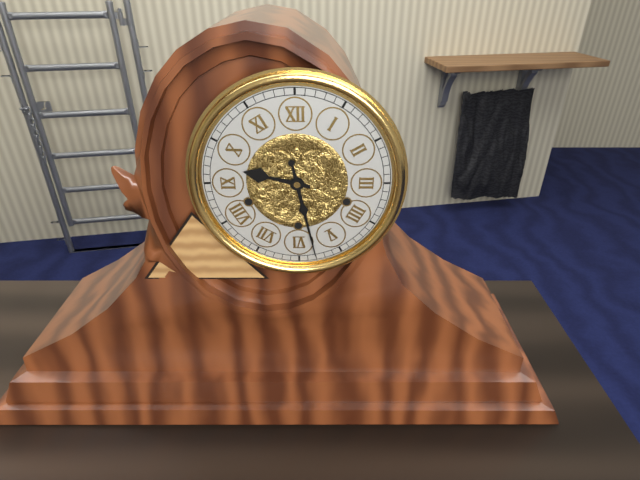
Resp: 9.28
